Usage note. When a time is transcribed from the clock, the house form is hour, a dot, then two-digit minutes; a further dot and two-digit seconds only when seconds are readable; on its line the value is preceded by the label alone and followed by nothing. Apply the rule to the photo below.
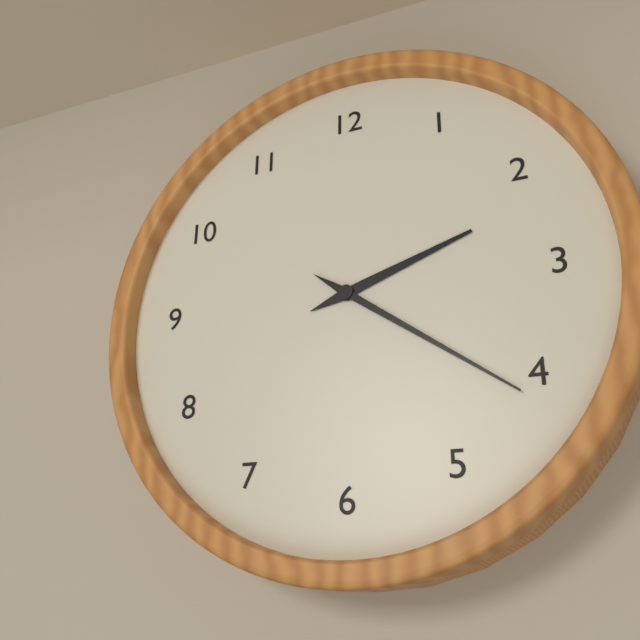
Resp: 2.21
